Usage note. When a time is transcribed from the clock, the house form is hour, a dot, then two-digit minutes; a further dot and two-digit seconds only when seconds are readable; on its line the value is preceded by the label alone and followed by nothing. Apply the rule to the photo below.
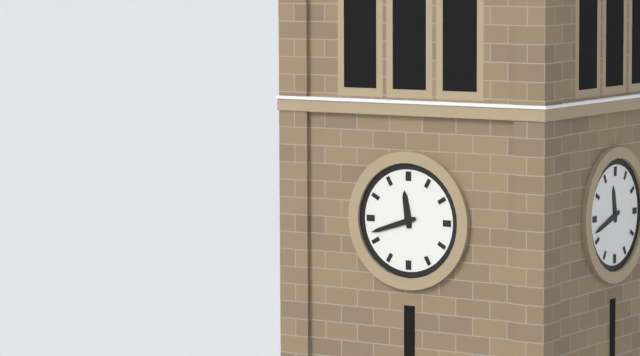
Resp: 11.42
